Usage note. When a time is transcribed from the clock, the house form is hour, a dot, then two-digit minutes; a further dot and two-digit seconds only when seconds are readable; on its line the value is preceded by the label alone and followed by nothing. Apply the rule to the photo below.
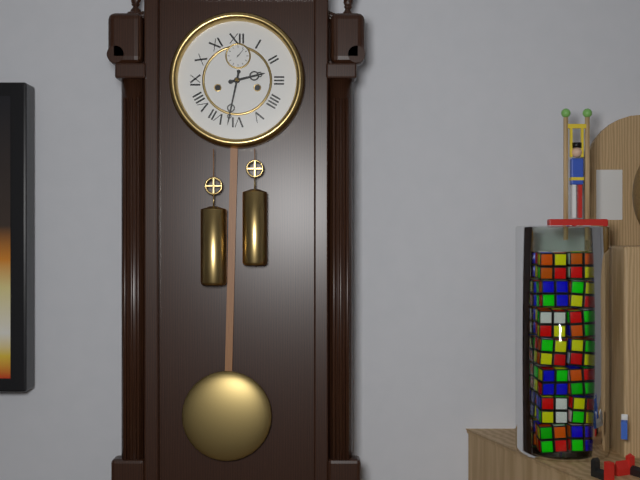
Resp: 2.32
